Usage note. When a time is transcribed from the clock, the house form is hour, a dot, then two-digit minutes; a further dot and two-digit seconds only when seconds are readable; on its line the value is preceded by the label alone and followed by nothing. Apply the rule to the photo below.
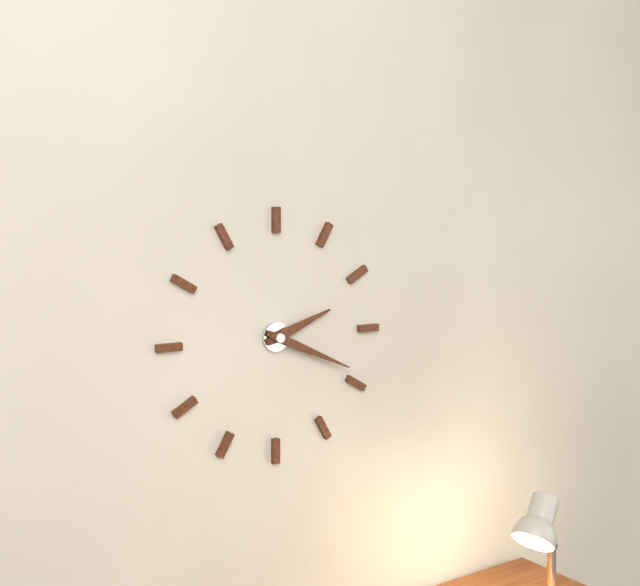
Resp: 2.19
